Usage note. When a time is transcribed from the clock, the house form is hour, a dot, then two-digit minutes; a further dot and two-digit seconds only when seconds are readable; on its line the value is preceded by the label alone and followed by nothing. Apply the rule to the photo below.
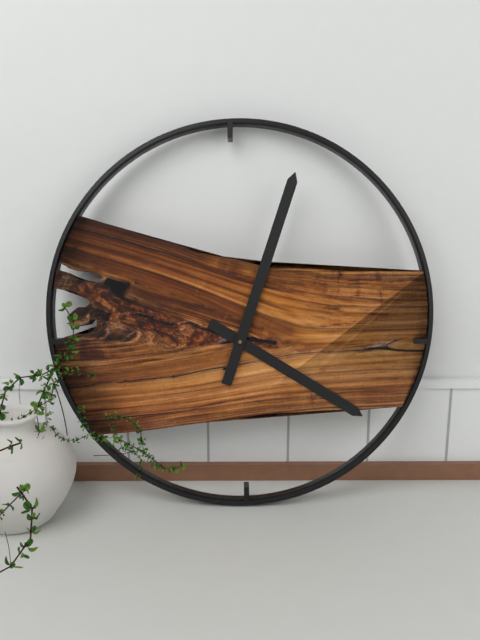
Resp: 4.03
